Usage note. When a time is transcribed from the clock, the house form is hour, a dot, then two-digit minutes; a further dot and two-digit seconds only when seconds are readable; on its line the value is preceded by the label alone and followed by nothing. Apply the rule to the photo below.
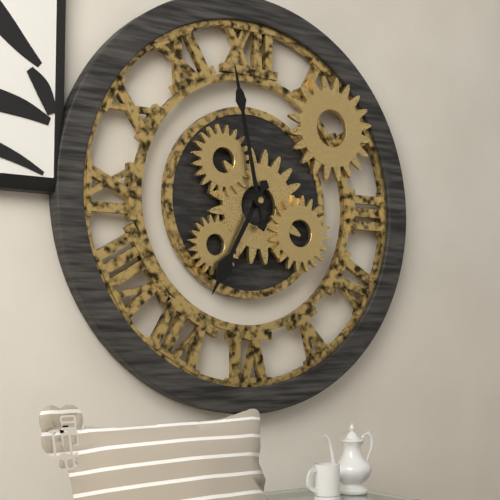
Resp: 6.58
